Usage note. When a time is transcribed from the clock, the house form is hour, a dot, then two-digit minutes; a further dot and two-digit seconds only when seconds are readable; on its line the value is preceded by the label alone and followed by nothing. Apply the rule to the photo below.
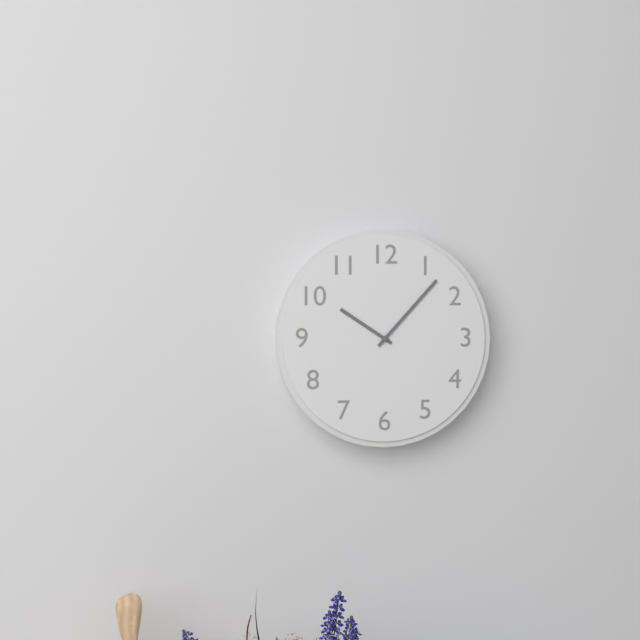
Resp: 10.07
